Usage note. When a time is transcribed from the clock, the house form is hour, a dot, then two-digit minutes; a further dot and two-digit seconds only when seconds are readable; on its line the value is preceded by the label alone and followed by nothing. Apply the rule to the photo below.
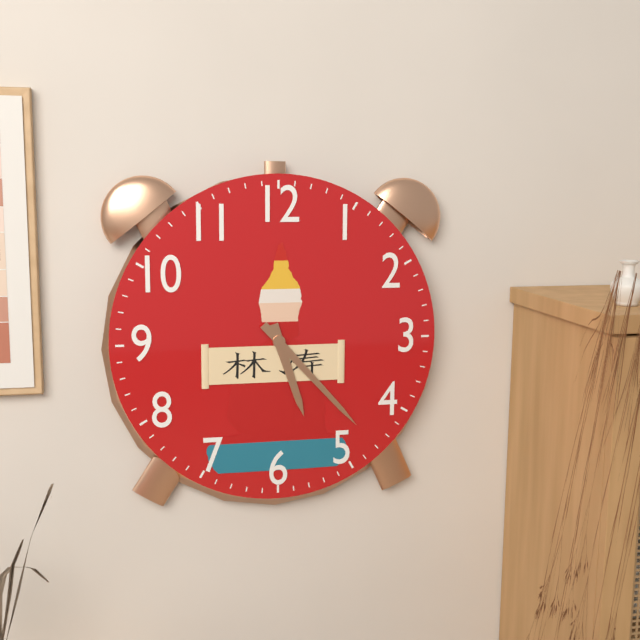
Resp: 5.23
